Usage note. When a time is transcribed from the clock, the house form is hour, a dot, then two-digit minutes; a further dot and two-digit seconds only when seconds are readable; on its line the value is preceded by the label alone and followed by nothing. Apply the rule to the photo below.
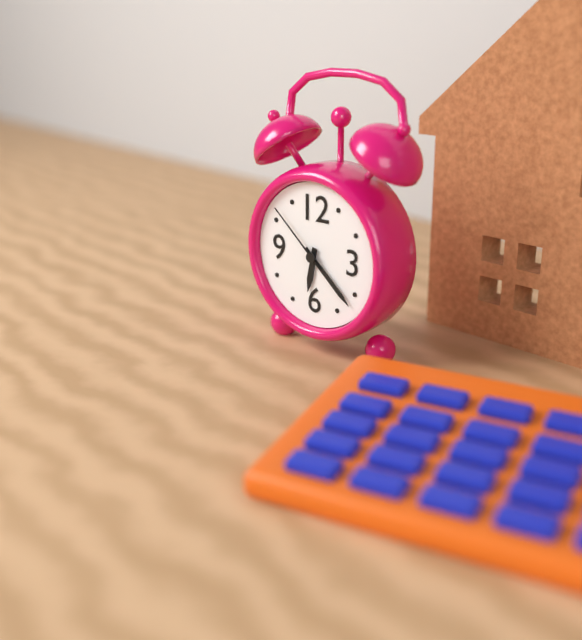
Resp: 6.22.52
